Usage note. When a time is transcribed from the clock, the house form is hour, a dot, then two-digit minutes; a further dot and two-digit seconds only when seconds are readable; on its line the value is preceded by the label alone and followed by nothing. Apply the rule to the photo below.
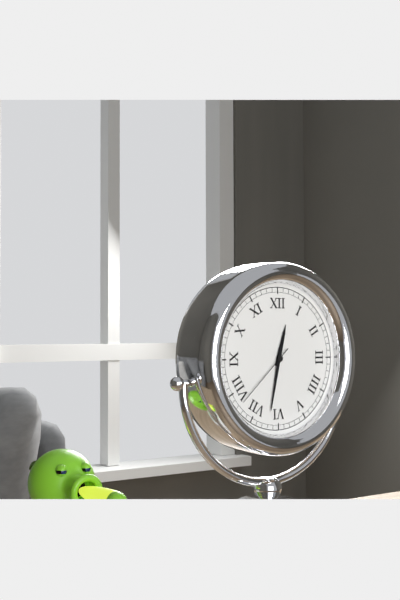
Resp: 12.32.38
